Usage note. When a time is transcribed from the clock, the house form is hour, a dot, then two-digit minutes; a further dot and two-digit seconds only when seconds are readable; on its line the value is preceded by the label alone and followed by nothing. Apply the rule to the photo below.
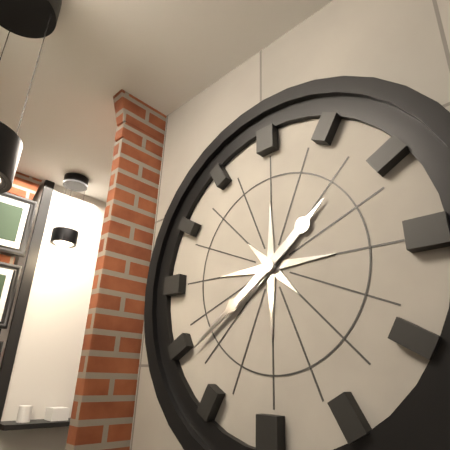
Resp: 1.39
